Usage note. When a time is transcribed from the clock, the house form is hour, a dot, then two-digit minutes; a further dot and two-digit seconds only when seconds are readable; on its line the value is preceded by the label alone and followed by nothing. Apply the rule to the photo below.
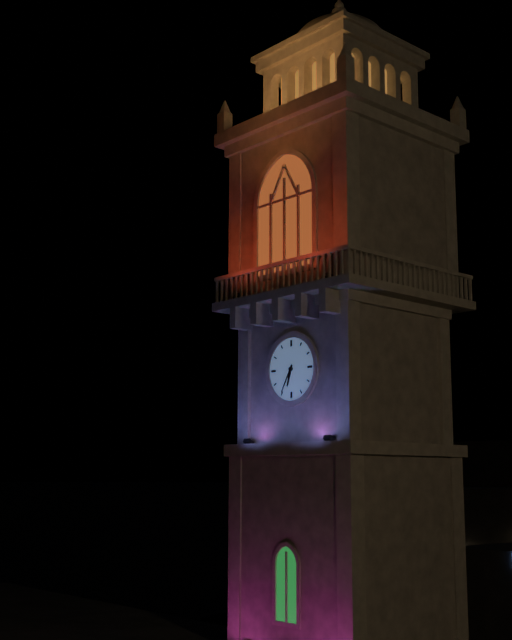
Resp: 6.35
